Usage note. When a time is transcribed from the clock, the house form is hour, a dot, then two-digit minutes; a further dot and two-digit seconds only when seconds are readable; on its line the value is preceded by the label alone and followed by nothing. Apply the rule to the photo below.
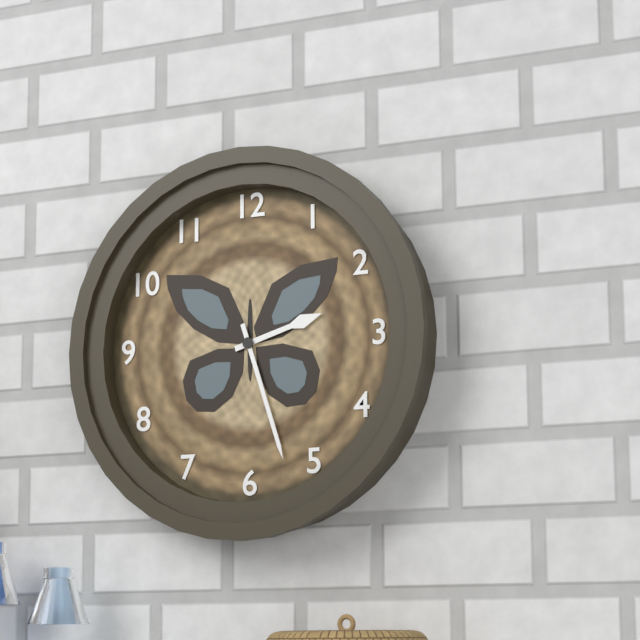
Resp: 2.27
